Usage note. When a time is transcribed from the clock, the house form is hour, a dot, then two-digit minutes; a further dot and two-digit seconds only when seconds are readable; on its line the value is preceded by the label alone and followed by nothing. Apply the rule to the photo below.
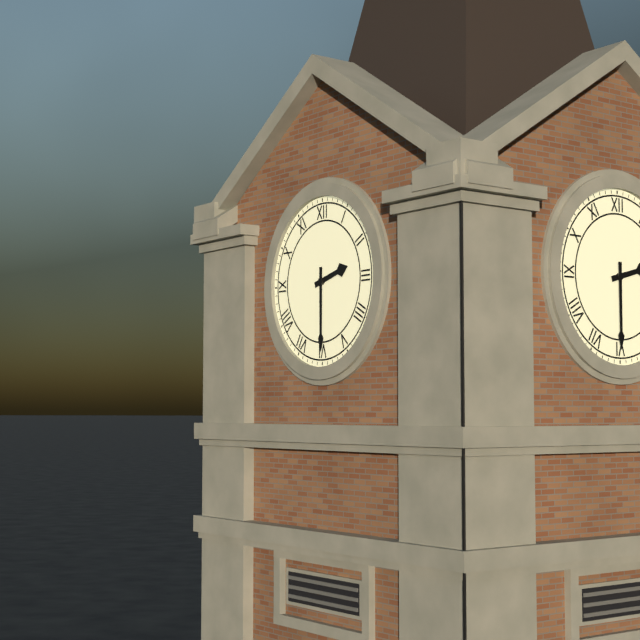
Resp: 2.30
